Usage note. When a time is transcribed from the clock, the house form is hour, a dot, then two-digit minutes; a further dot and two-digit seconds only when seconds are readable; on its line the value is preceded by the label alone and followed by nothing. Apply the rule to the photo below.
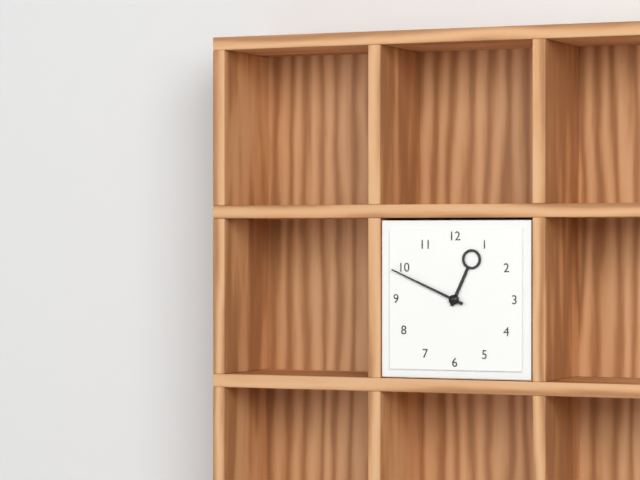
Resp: 12.49
